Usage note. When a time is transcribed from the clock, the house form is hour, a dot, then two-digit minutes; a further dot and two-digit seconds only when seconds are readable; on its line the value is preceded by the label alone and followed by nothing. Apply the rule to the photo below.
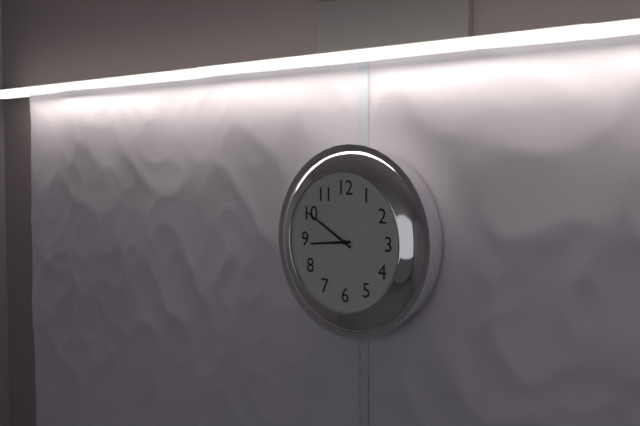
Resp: 8.50
